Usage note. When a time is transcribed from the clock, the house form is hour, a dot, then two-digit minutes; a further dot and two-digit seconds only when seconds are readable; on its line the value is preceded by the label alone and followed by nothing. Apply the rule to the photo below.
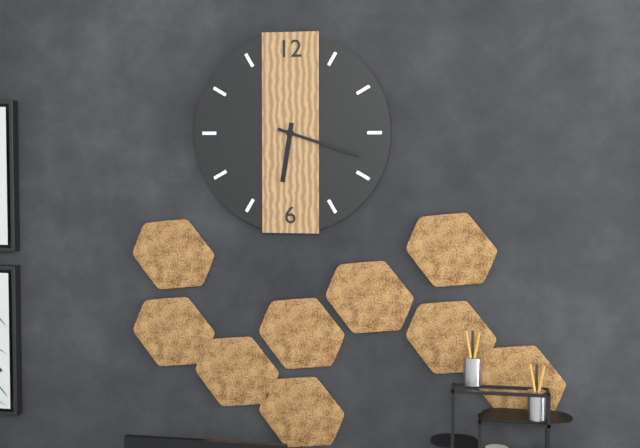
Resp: 6.18
